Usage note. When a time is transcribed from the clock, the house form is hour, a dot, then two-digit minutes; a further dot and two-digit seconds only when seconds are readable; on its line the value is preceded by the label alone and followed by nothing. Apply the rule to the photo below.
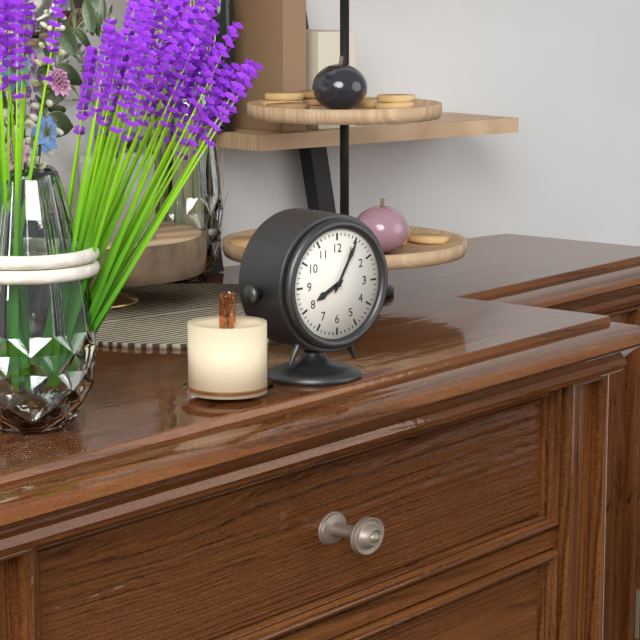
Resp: 8.05
